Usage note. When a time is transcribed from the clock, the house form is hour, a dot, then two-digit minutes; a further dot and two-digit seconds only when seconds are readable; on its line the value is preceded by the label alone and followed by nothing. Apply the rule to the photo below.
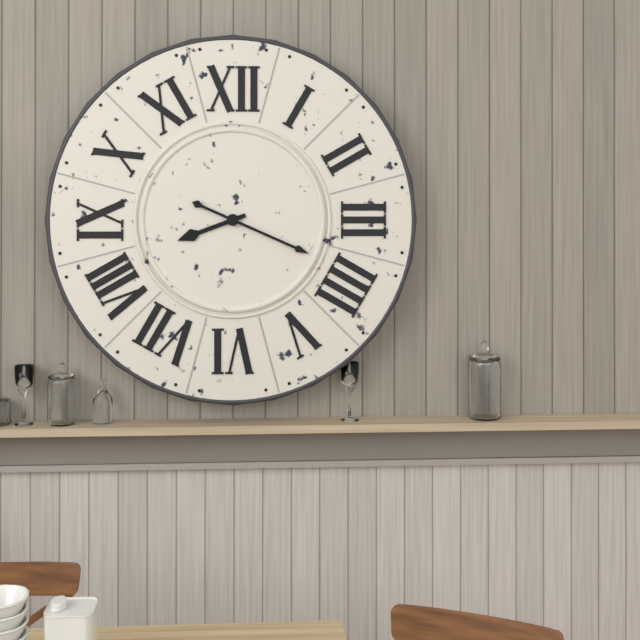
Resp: 8.19
